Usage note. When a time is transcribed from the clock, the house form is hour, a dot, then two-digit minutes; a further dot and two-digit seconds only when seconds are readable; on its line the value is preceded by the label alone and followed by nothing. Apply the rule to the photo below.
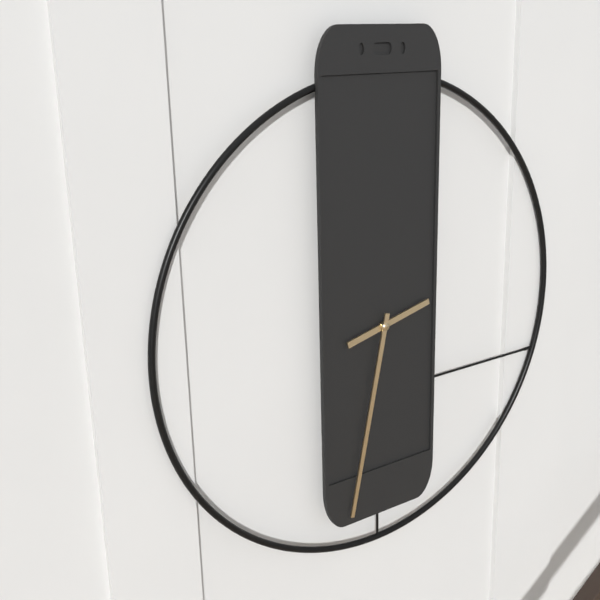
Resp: 2.32
